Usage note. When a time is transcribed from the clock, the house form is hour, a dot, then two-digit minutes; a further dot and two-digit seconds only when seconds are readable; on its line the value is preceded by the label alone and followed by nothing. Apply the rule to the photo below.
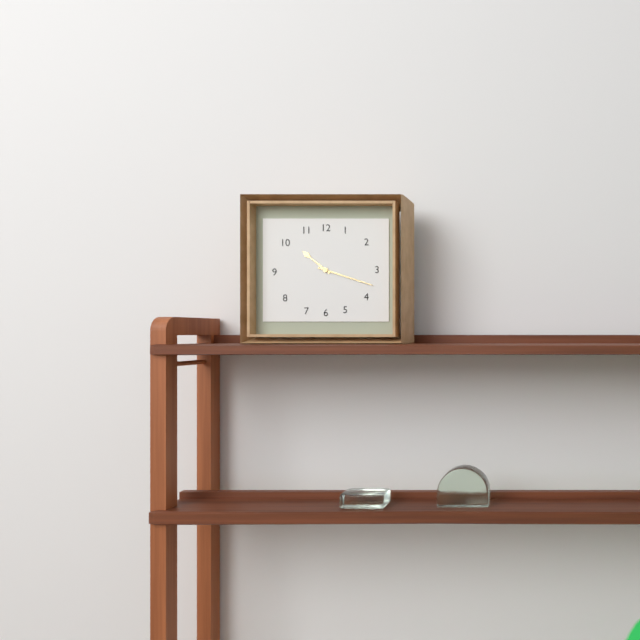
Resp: 10.18
